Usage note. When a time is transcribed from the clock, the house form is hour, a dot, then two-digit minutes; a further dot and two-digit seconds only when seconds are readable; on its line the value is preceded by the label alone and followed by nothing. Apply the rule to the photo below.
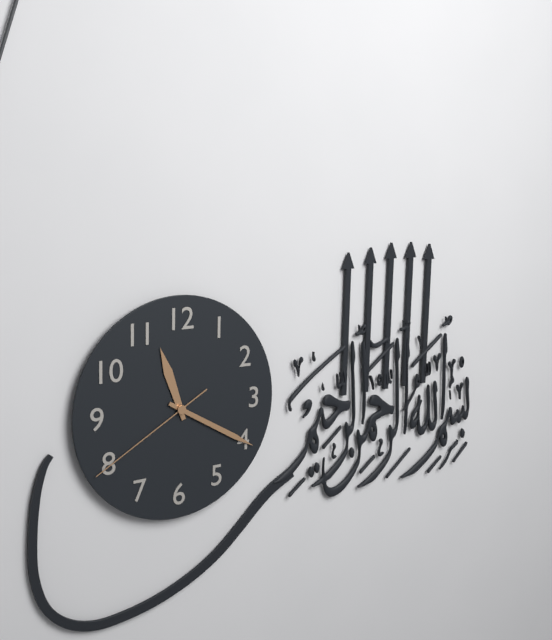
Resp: 11.20.40
